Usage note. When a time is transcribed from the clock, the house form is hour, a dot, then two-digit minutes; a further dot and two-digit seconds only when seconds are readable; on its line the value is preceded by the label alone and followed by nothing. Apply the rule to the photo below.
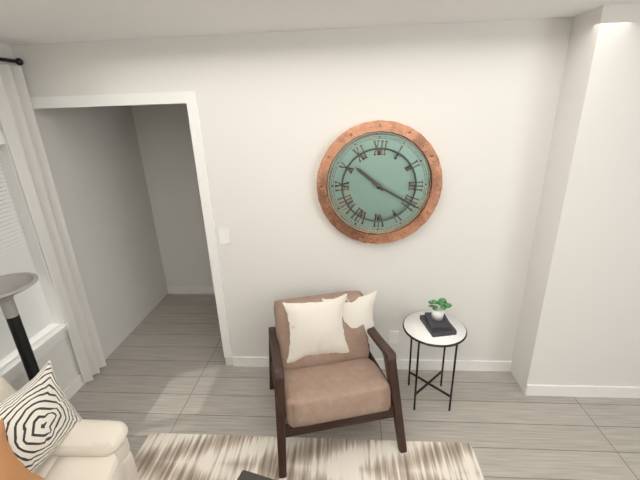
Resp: 10.20
